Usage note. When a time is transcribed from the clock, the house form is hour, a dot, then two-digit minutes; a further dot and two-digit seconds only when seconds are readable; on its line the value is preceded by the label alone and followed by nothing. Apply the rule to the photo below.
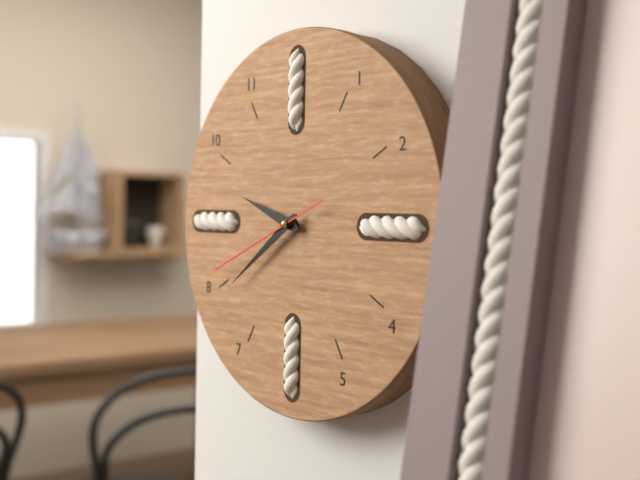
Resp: 9.39.41
